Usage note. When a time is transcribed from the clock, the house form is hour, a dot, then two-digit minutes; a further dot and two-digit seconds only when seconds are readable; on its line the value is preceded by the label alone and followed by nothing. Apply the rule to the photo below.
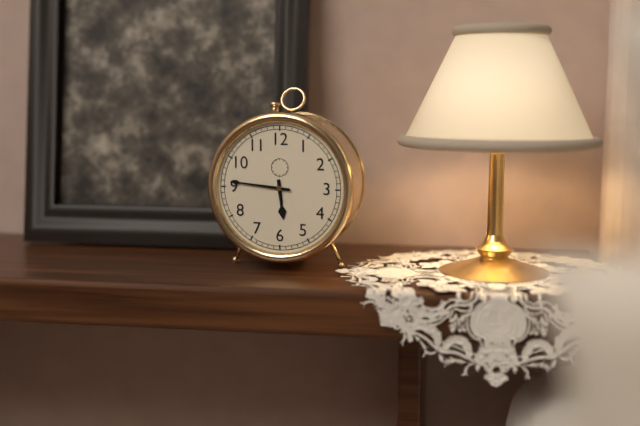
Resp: 5.46
